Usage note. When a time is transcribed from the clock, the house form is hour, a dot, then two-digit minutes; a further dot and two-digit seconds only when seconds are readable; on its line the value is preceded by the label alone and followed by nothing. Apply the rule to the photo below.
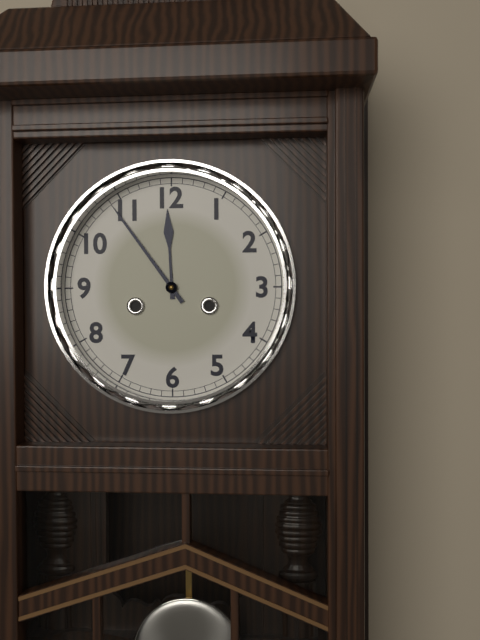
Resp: 11.54
